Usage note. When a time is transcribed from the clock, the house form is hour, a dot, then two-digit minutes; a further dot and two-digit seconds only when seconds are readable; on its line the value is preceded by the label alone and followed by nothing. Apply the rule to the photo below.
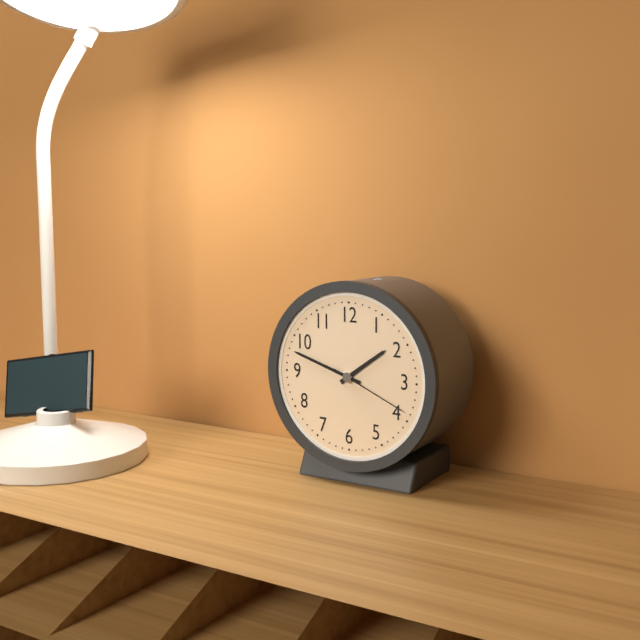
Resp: 1.48.19
